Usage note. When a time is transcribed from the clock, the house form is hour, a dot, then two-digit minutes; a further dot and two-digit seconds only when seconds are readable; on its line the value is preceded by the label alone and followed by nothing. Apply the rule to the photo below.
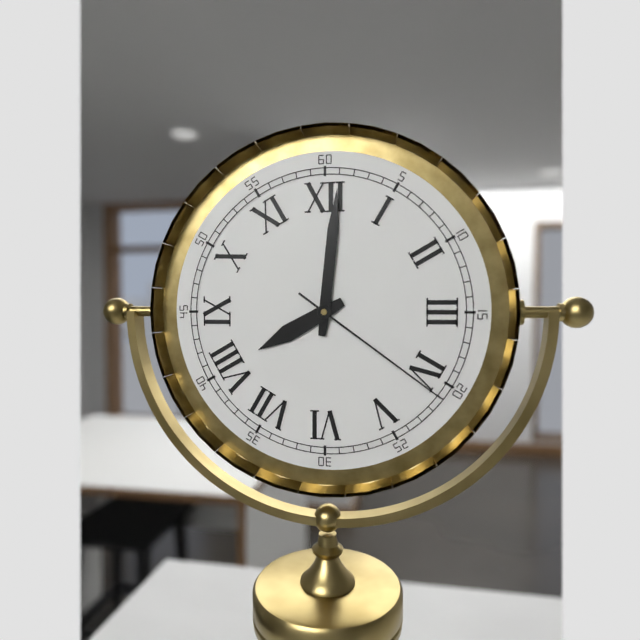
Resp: 8.01.21
